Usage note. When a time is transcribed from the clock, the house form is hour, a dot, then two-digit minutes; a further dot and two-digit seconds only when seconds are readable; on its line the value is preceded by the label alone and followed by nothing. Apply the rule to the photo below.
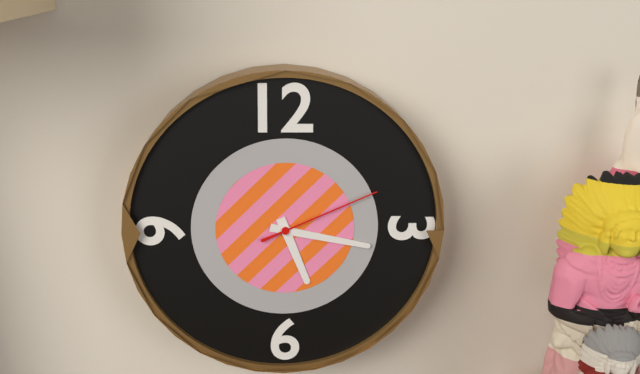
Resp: 5.17.11
